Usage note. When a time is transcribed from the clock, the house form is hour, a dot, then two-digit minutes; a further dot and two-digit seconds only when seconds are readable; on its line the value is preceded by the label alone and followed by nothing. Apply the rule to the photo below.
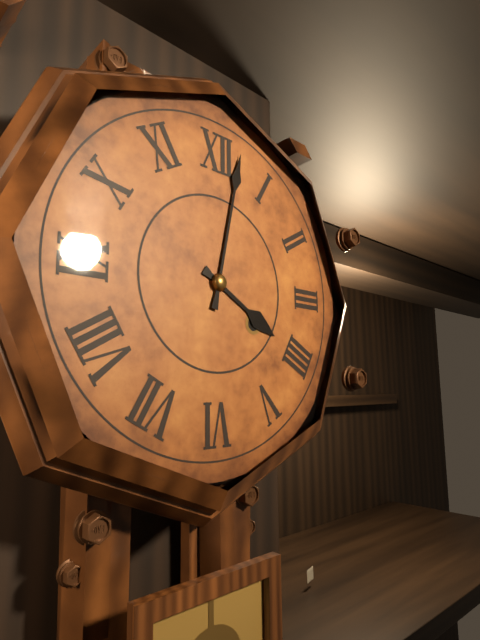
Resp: 4.02
